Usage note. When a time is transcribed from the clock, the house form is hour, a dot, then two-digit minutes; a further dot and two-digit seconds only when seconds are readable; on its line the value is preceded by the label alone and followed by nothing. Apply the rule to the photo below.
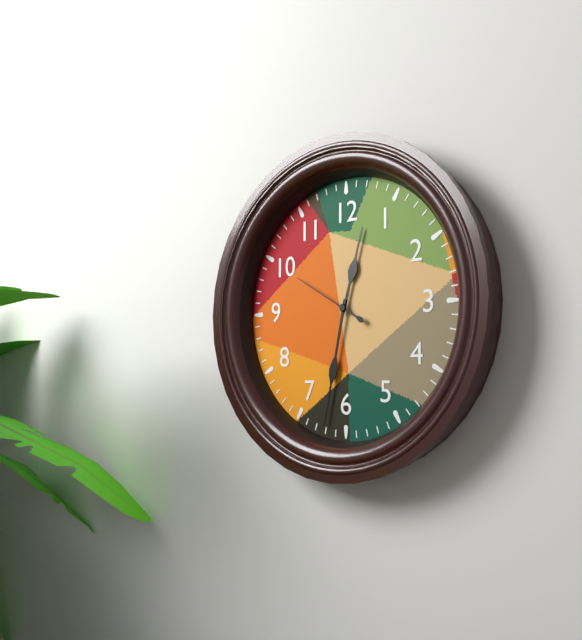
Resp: 12.32.50
